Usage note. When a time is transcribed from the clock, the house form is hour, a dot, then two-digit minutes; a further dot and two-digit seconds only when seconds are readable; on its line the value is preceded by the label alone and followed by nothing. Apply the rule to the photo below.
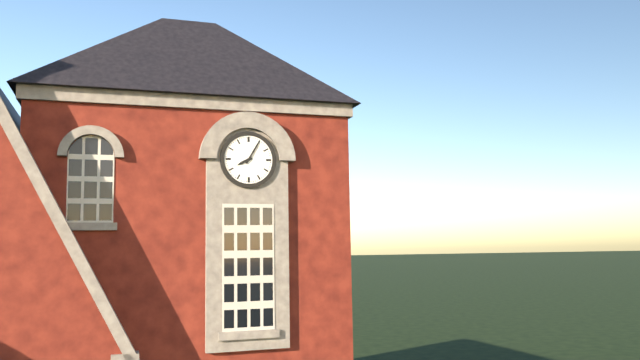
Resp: 8.05
